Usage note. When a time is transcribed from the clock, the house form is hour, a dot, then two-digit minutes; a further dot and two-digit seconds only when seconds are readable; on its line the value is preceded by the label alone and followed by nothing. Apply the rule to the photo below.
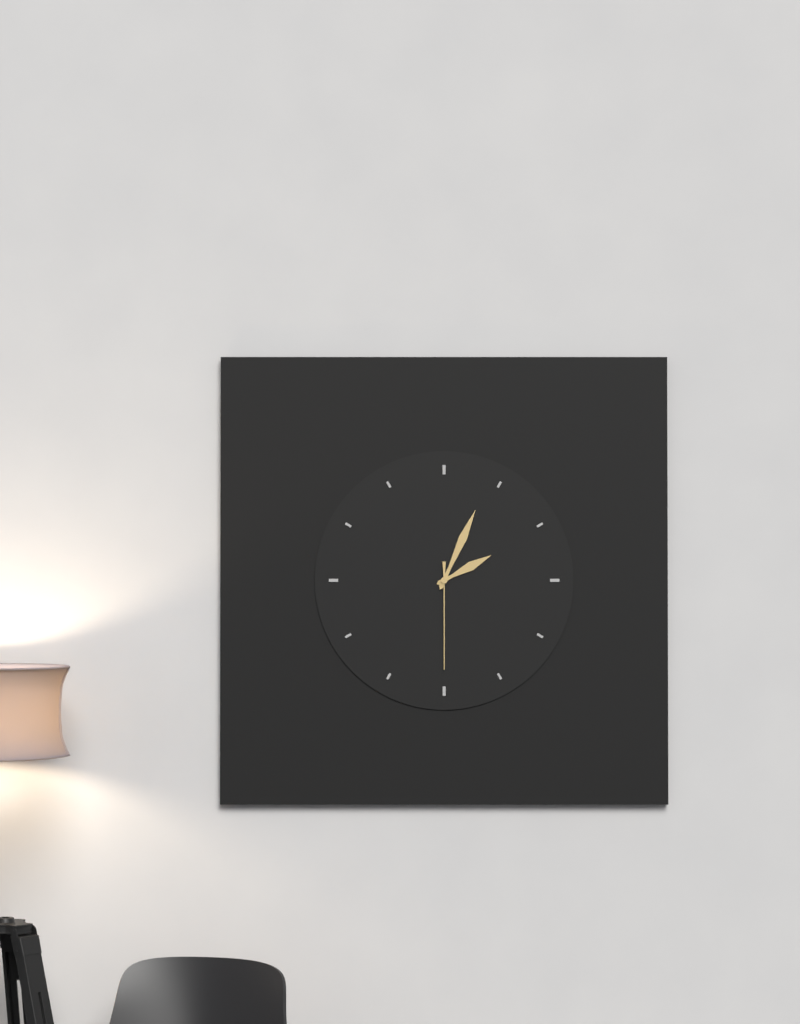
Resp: 2.04.30
